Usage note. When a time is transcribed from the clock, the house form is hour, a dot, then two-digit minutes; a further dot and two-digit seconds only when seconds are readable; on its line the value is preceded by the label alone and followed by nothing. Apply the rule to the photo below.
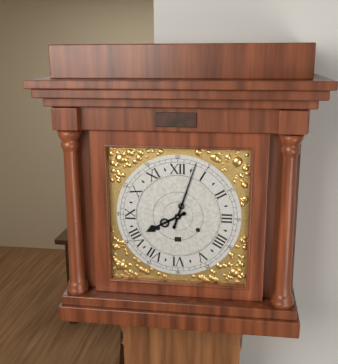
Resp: 8.03
